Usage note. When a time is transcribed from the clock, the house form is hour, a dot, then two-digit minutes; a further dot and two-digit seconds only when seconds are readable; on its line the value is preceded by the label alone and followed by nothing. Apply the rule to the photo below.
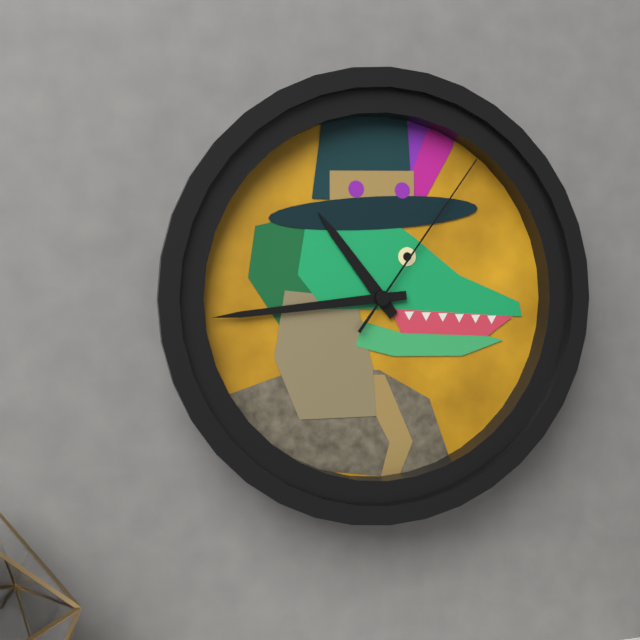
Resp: 10.44.06
